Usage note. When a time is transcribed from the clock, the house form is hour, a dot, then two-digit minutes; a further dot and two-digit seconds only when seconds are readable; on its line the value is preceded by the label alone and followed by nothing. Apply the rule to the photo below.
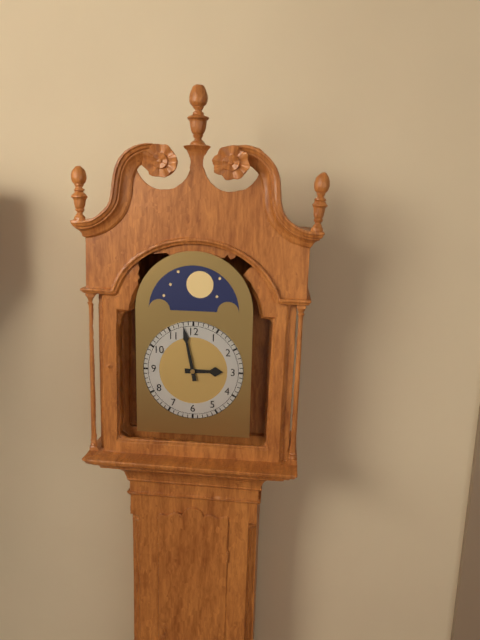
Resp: 2.58
